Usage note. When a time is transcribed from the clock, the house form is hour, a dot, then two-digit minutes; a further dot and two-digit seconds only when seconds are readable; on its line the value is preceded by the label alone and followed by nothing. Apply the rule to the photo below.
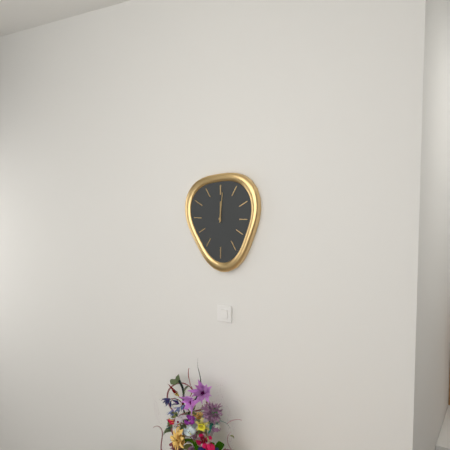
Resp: 12.01
